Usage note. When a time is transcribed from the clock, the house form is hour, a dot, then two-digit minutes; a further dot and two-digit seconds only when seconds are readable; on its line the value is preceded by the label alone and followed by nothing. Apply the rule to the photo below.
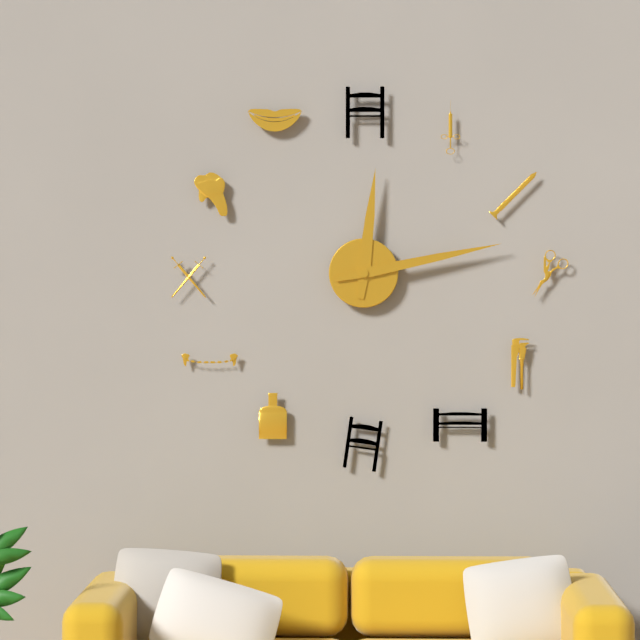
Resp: 12.13
